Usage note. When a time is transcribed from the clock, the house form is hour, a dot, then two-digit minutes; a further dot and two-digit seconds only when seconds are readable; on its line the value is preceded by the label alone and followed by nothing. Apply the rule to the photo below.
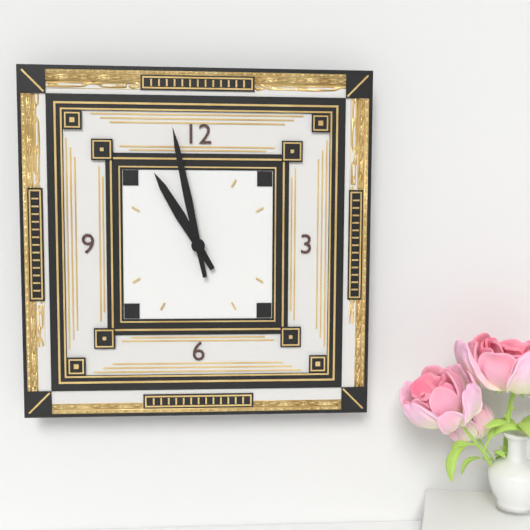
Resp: 10.58
